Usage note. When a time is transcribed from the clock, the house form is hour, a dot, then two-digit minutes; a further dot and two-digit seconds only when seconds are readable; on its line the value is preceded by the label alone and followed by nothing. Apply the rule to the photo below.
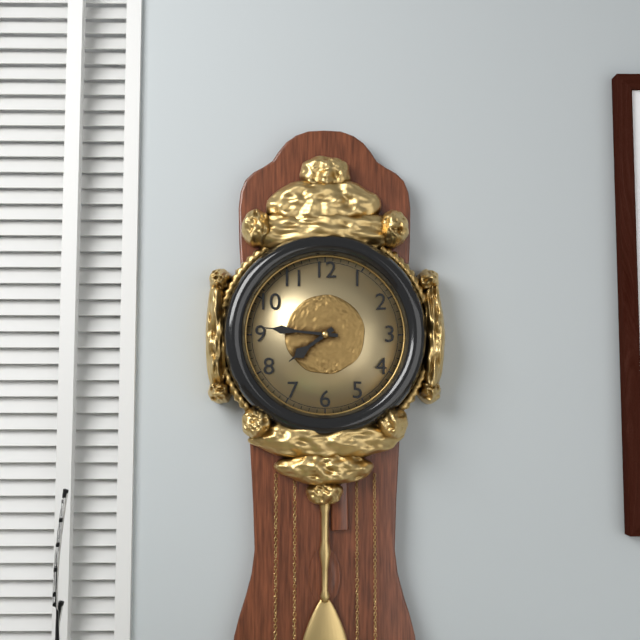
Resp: 7.46
